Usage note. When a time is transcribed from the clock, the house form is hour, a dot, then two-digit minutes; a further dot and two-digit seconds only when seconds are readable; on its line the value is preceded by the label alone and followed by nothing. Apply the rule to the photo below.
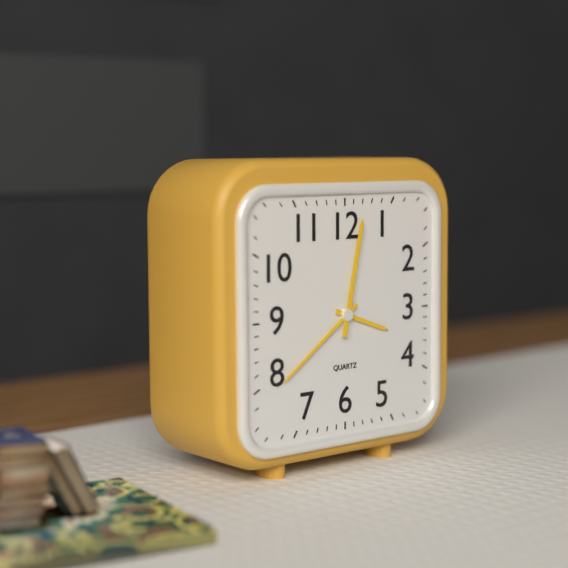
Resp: 3.39.02
